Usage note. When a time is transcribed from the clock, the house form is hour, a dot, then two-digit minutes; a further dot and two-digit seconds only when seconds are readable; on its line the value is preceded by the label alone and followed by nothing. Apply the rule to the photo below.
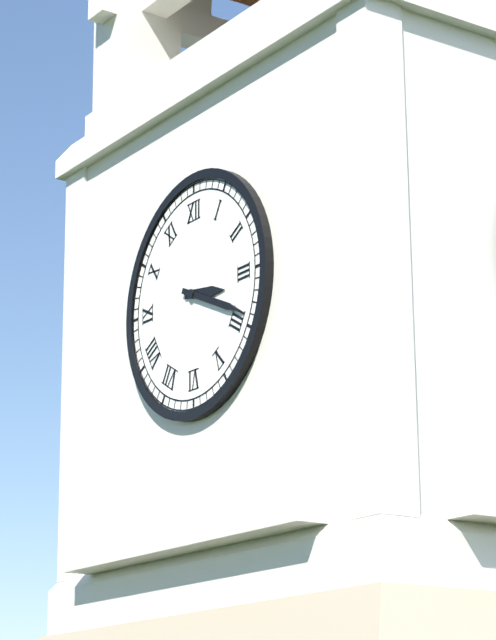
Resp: 3.19
